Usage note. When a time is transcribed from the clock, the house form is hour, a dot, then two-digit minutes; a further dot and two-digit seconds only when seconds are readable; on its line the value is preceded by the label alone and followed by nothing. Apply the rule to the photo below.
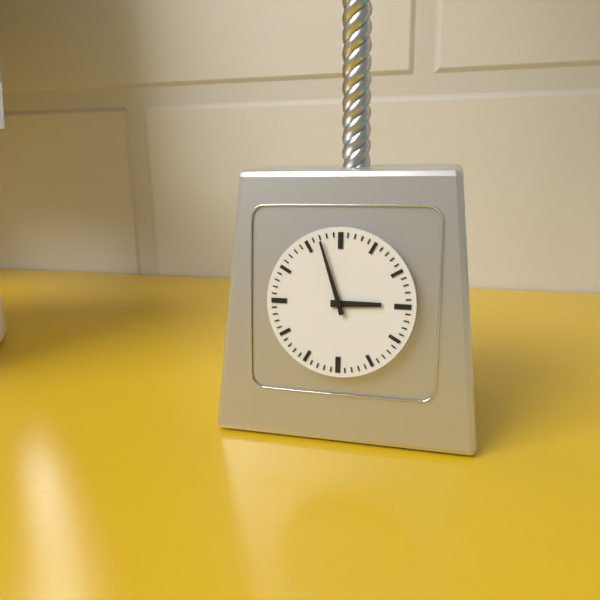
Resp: 2.57
